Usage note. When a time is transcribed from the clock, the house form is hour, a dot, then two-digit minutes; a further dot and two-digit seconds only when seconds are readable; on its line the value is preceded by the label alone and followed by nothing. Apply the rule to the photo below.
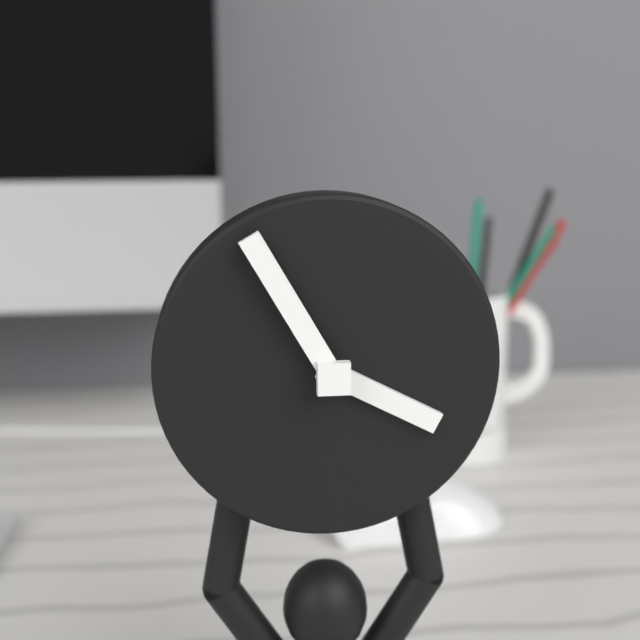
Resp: 3.55
